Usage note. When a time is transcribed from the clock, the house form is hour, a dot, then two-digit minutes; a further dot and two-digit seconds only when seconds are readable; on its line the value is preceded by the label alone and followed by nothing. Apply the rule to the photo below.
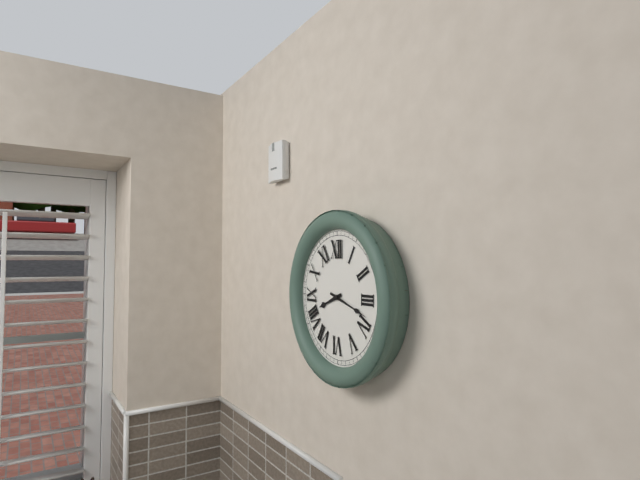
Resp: 8.18
